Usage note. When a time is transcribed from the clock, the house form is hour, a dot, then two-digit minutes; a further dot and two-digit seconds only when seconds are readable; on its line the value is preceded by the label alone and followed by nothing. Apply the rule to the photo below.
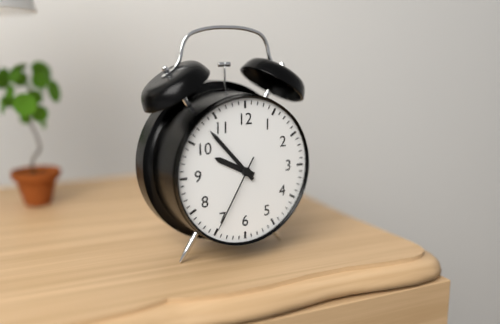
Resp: 9.53.35
